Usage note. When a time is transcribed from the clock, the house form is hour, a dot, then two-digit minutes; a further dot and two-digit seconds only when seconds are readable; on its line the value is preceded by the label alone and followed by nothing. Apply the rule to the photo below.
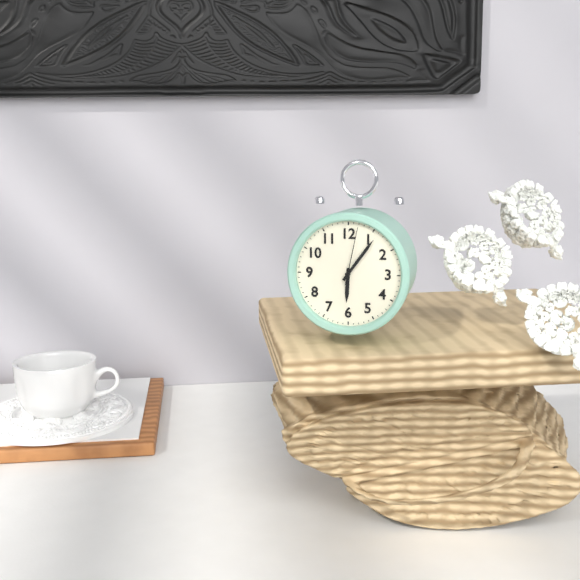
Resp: 6.06.02
